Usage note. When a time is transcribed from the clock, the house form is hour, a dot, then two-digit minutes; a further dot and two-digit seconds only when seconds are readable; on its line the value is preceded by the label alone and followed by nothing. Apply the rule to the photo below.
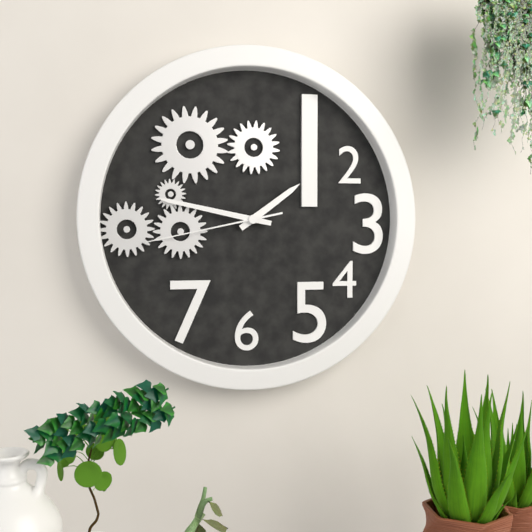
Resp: 1.47.43
